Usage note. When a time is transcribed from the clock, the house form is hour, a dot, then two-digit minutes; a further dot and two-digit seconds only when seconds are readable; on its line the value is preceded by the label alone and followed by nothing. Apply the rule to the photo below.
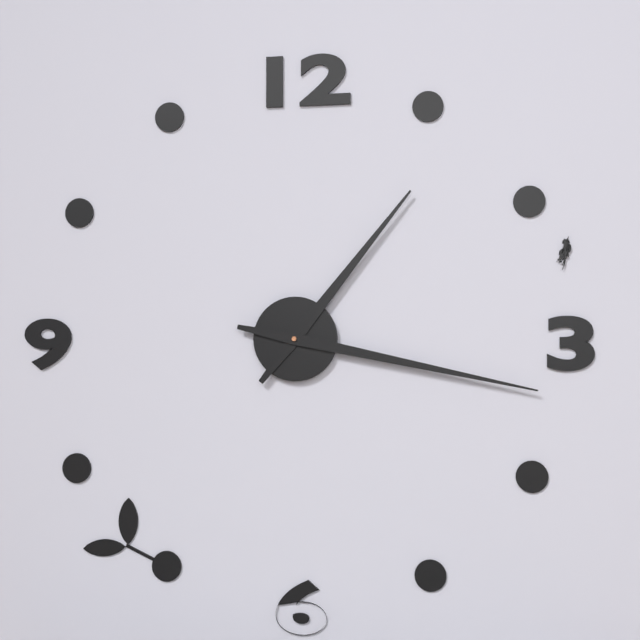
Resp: 1.17
